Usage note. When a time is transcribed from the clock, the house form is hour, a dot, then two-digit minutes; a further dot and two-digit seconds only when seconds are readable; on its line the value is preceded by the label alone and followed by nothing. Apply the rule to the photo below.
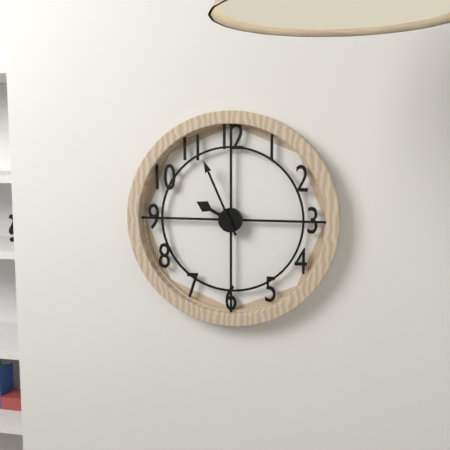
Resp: 9.56
